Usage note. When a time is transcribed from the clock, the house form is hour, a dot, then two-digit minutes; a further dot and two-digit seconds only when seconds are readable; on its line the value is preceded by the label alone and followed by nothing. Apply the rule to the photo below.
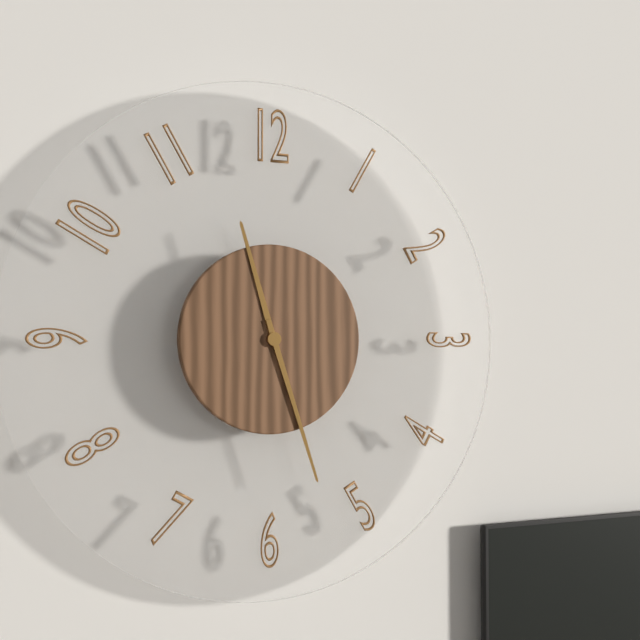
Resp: 11.27
